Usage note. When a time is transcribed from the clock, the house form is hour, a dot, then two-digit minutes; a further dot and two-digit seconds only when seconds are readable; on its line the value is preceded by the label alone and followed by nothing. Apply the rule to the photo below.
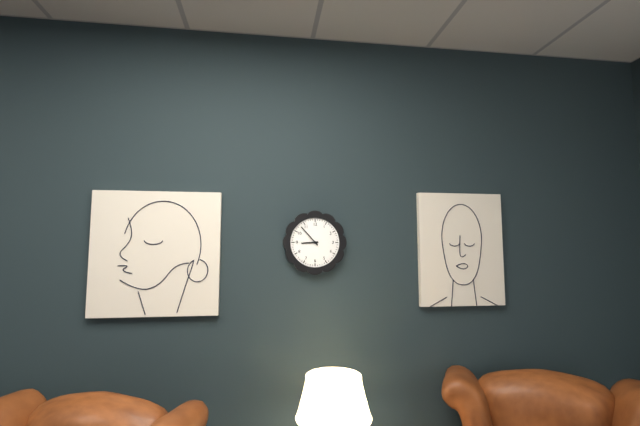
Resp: 8.53
